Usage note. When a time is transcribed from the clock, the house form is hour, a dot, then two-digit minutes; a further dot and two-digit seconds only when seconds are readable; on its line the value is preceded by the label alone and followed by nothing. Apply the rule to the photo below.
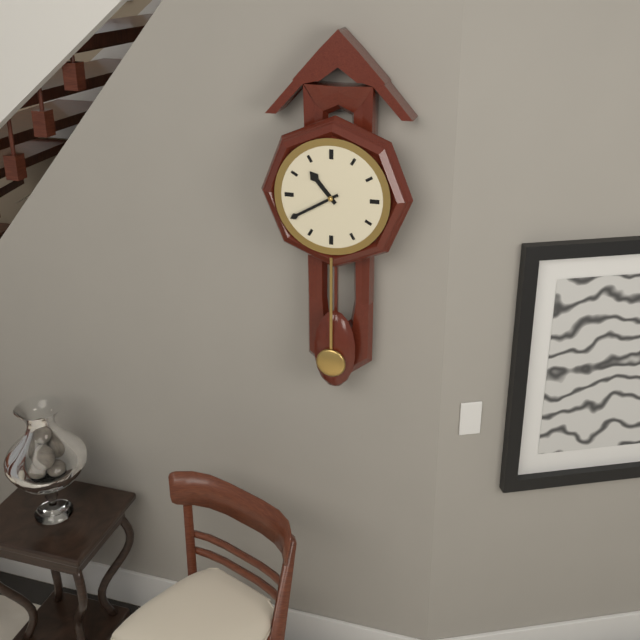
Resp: 10.40
